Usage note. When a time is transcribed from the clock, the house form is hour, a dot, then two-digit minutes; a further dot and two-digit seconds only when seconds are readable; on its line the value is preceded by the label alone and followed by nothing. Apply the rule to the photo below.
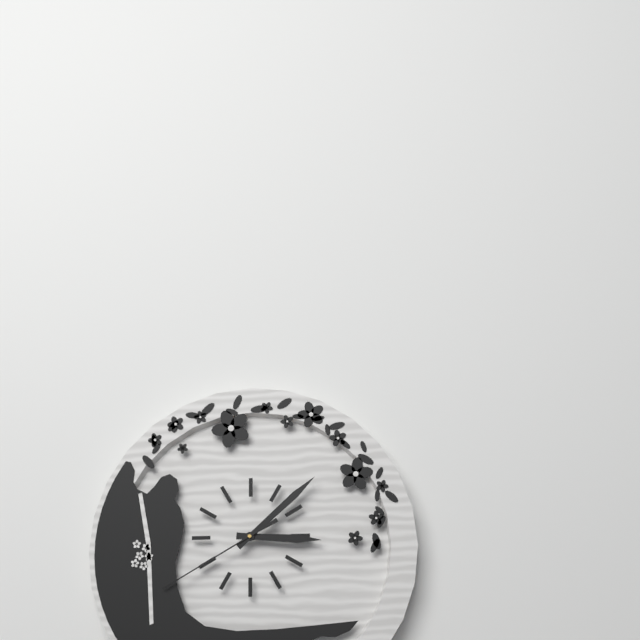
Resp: 3.08.40
